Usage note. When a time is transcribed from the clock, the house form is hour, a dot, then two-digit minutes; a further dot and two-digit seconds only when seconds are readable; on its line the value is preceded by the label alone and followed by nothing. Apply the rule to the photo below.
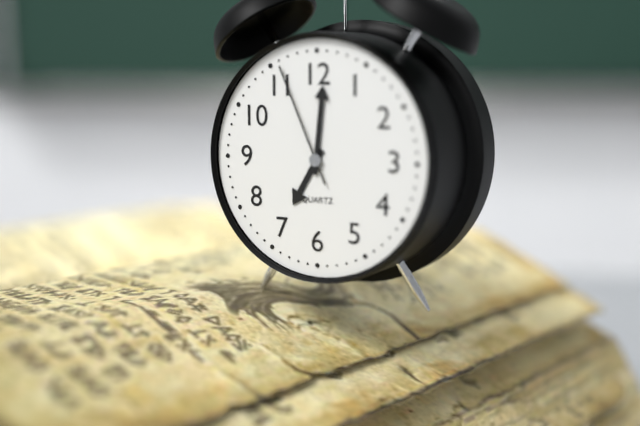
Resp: 7.01.56
